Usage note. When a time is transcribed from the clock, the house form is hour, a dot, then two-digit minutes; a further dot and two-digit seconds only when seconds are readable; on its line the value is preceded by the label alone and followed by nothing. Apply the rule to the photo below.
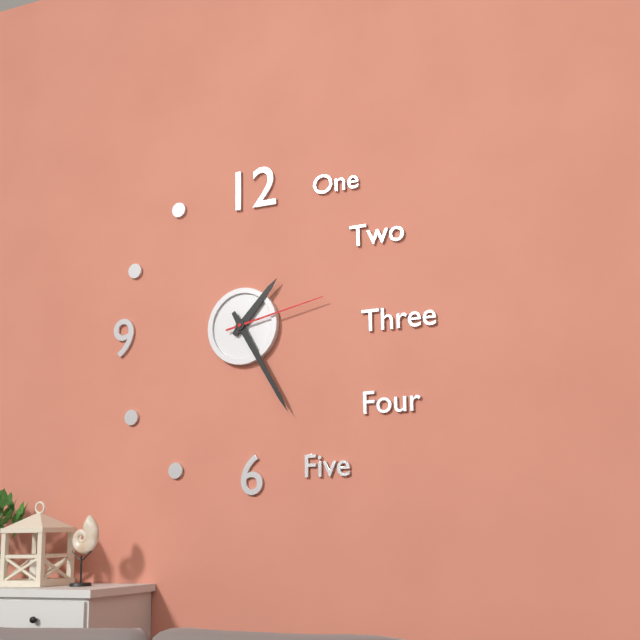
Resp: 1.25.13
